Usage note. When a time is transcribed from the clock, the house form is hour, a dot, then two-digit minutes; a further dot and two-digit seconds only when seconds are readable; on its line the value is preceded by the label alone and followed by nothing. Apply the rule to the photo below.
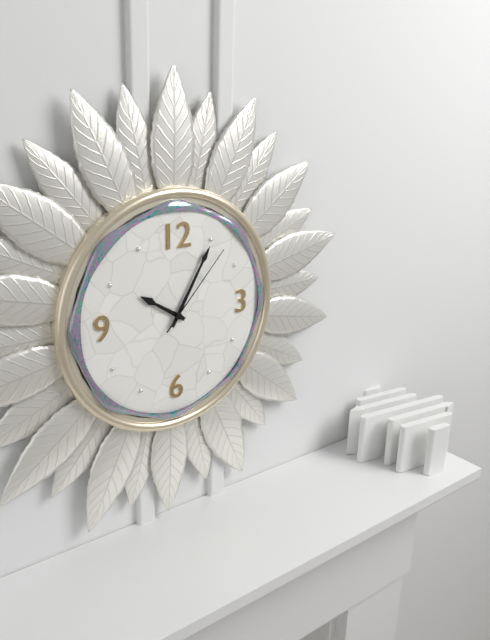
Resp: 10.05.07
